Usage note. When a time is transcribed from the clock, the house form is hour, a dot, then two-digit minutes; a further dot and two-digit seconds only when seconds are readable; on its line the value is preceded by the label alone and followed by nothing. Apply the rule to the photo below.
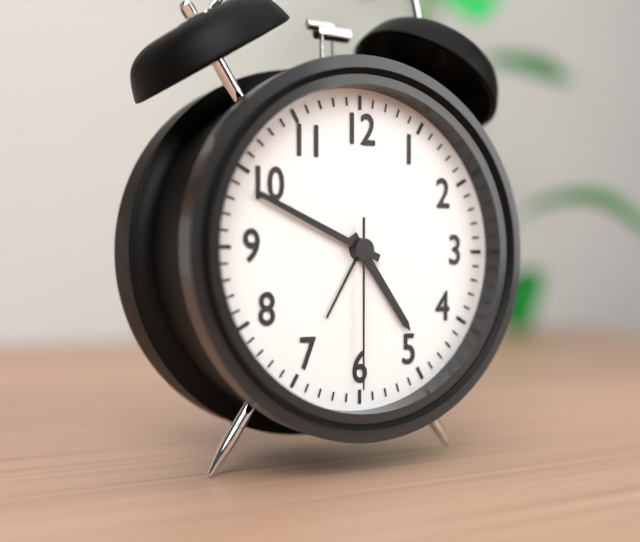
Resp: 4.49.30
